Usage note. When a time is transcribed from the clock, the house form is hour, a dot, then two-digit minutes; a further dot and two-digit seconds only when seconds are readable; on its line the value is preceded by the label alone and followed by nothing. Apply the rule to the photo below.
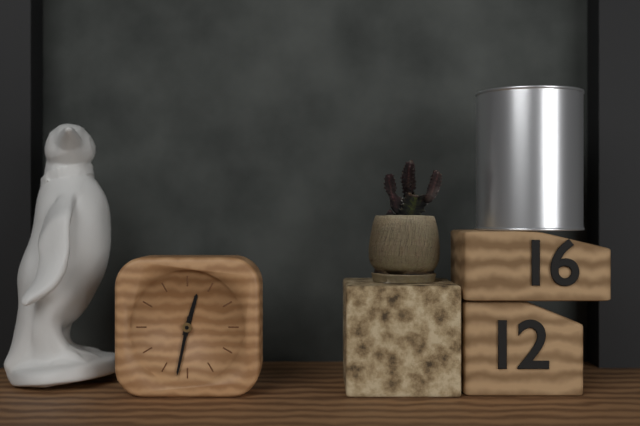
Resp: 12.32
